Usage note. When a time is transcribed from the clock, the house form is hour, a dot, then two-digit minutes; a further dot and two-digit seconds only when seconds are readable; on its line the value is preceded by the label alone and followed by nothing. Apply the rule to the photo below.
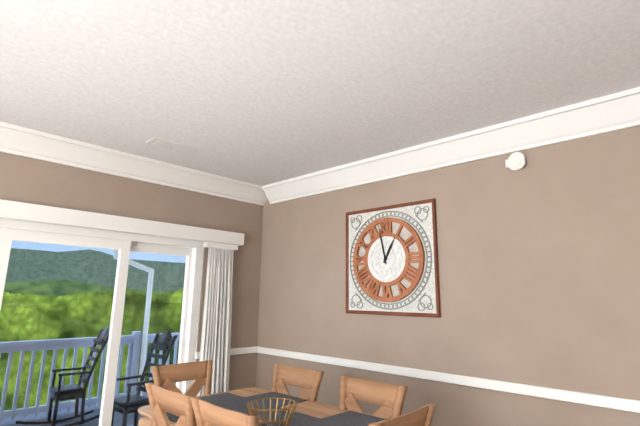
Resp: 12.58
